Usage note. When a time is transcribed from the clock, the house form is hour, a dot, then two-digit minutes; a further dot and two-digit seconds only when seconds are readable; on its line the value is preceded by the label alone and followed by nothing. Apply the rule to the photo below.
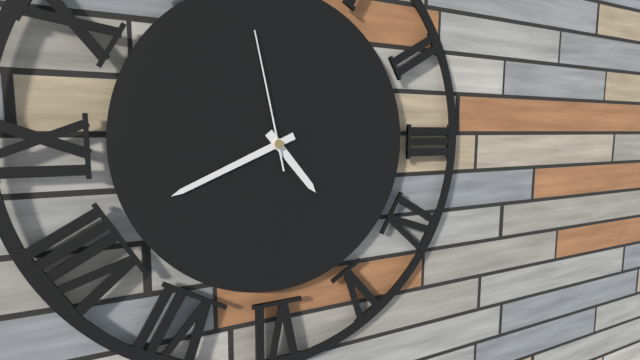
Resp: 4.41.58
